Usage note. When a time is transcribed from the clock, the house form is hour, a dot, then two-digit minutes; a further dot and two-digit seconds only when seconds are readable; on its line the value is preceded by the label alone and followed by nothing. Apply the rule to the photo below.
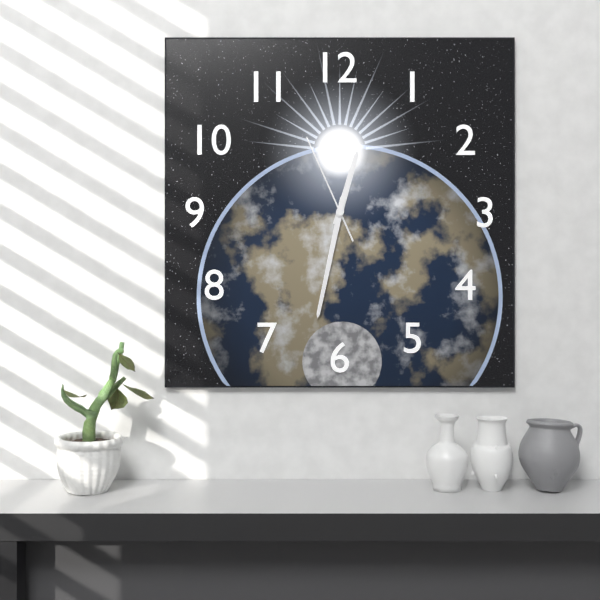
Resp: 12.32.56
